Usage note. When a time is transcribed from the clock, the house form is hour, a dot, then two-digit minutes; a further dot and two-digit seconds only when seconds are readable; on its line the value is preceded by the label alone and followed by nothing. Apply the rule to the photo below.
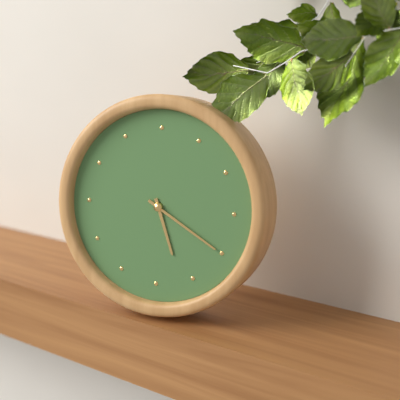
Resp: 5.20
